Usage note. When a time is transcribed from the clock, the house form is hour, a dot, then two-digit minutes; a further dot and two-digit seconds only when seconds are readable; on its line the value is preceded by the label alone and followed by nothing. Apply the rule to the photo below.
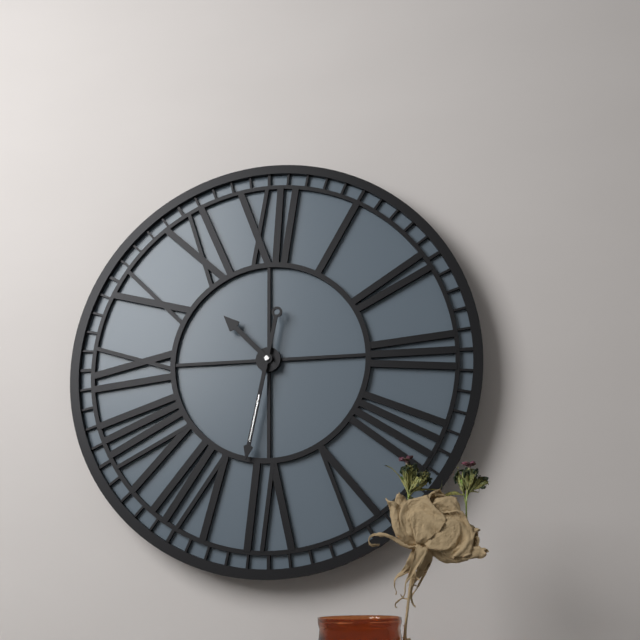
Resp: 10.32
